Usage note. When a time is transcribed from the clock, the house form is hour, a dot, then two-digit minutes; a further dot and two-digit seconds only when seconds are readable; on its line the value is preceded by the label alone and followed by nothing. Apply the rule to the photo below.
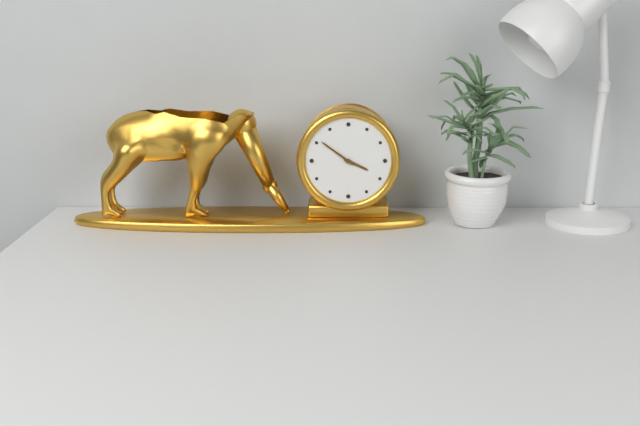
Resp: 3.51
